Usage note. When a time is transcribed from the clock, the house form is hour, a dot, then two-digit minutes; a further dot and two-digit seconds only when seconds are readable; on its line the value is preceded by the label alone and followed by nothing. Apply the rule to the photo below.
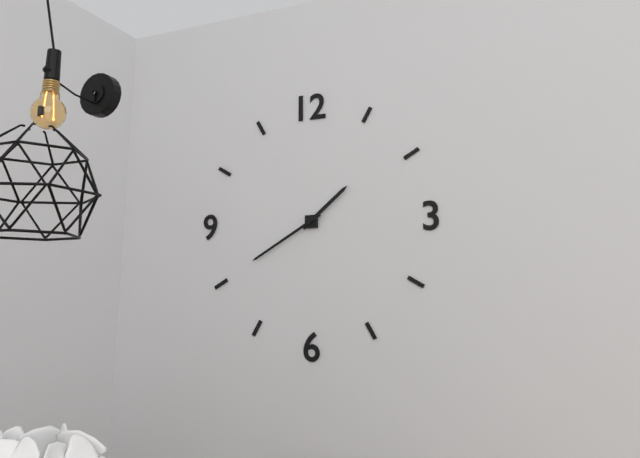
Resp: 1.40
